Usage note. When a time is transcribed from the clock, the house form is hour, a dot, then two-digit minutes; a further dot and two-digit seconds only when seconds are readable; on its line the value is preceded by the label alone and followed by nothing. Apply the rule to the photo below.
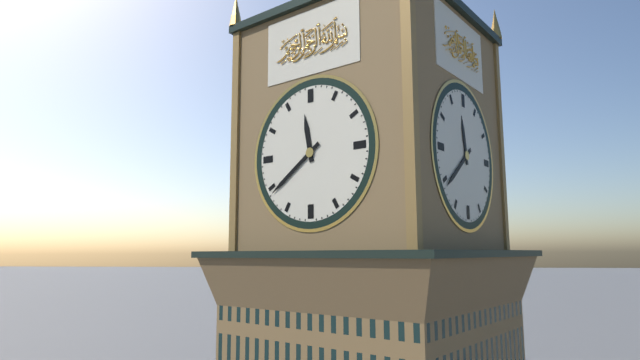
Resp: 11.39
